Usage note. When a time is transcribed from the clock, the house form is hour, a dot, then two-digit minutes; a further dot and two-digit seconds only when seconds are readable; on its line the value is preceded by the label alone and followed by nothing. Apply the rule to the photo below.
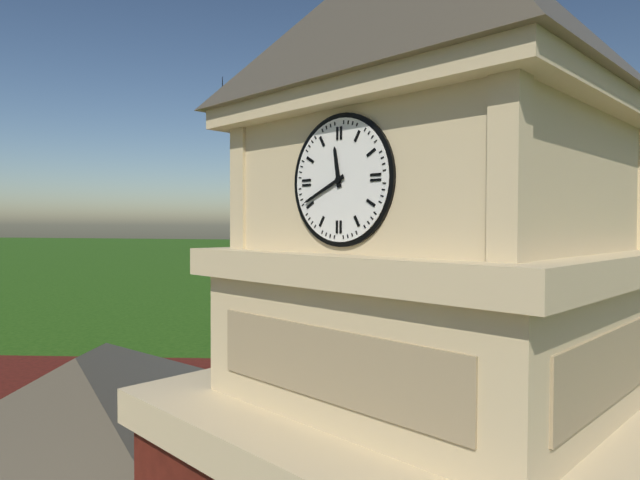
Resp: 11.41
